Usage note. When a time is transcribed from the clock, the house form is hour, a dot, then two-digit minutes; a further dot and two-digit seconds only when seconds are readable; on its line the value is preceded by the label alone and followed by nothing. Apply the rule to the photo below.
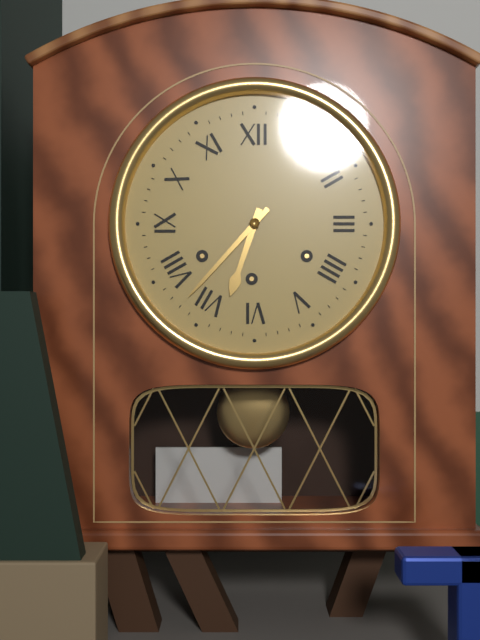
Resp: 6.37
